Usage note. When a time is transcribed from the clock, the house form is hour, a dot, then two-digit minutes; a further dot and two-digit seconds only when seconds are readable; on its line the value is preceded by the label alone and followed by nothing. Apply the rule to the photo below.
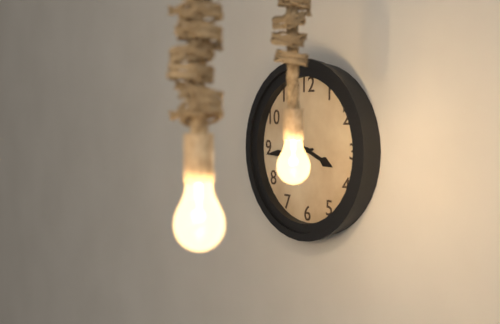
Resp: 3.44
